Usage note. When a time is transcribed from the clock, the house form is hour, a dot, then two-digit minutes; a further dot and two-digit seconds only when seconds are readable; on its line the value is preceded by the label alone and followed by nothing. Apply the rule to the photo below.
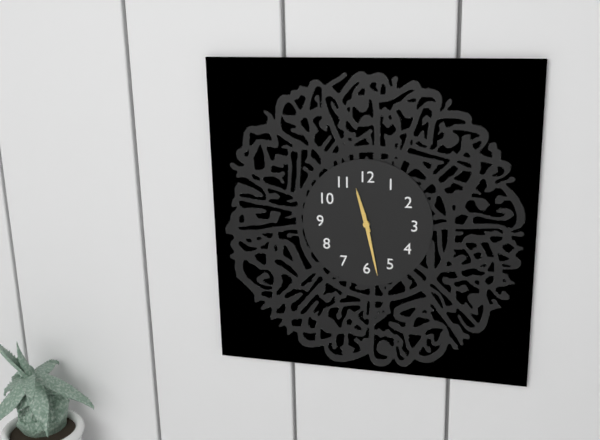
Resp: 11.28
